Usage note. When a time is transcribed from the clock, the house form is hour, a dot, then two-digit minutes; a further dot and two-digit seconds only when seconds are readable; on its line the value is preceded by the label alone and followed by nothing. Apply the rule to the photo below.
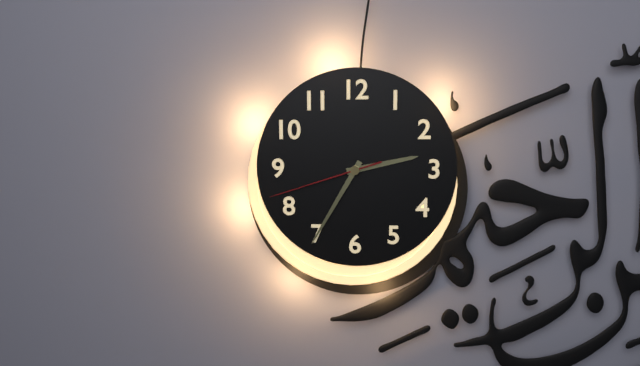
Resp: 2.35.42
